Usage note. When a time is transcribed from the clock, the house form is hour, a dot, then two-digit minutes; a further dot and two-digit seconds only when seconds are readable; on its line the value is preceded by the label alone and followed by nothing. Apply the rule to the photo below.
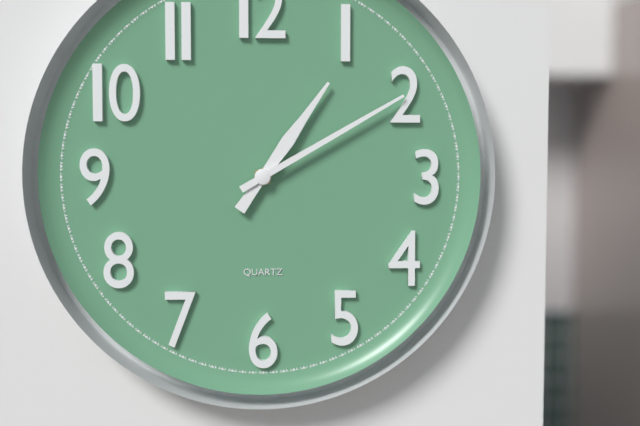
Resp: 1.10
